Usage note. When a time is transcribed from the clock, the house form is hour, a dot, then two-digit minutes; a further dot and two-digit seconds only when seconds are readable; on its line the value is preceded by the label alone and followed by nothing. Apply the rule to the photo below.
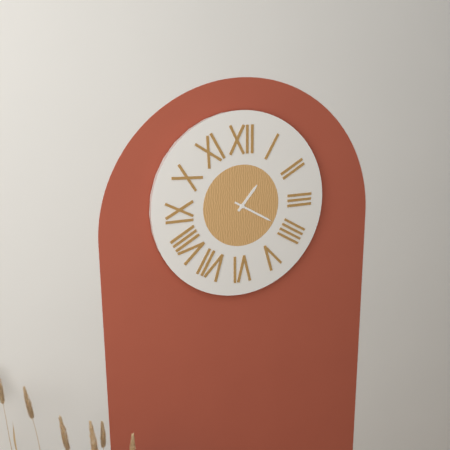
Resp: 1.20
